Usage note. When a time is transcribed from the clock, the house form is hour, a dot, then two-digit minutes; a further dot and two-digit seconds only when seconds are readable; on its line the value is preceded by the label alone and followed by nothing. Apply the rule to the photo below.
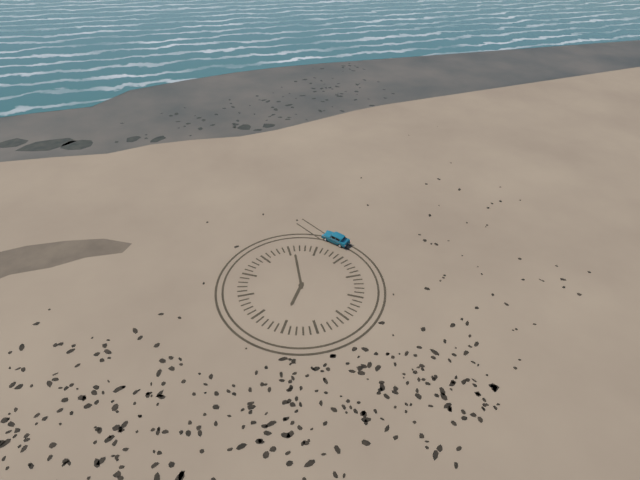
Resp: 8.06
